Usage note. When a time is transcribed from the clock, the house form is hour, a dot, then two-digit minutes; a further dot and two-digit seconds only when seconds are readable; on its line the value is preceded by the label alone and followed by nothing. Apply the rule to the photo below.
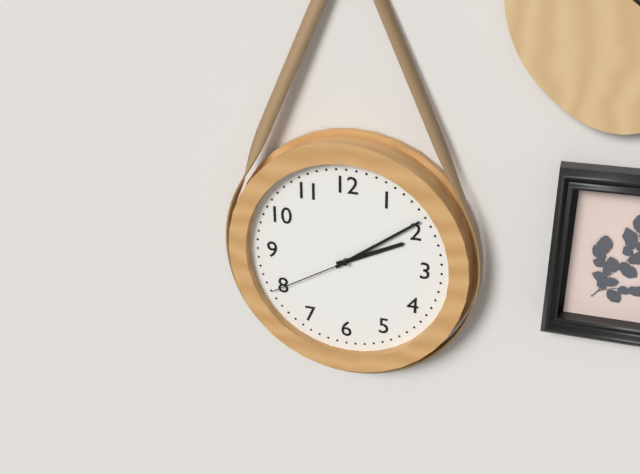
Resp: 2.09.40
